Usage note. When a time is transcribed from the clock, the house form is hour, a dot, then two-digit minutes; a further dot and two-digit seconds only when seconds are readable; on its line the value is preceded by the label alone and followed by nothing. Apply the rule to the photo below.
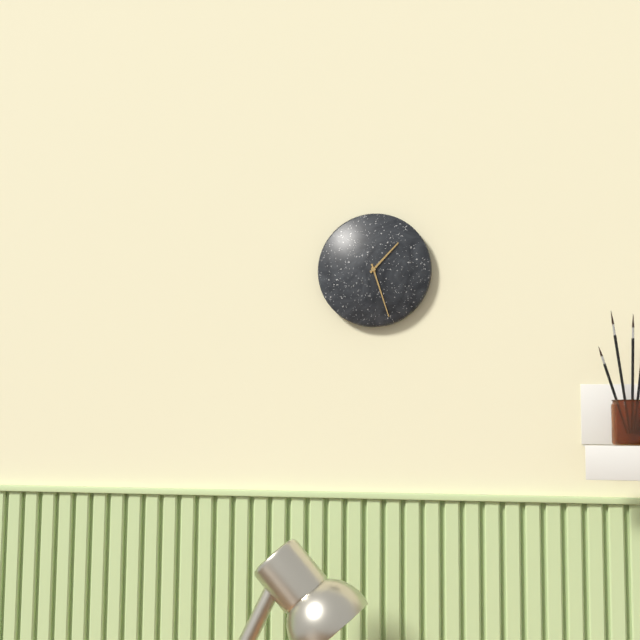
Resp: 1.27
